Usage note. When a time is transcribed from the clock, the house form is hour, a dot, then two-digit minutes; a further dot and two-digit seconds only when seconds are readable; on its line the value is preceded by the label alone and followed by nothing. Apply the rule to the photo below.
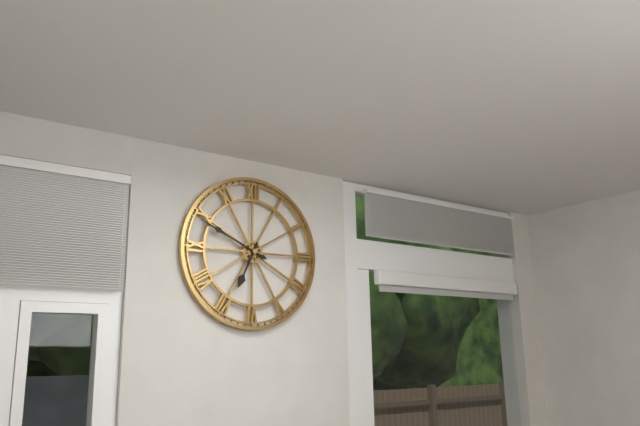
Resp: 6.49
